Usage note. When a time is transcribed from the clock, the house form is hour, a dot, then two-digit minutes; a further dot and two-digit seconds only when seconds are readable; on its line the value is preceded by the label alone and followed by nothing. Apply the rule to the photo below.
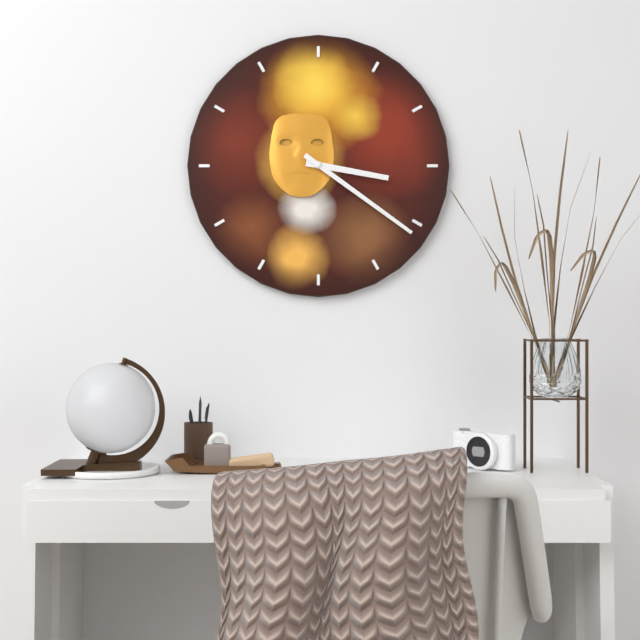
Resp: 3.21
